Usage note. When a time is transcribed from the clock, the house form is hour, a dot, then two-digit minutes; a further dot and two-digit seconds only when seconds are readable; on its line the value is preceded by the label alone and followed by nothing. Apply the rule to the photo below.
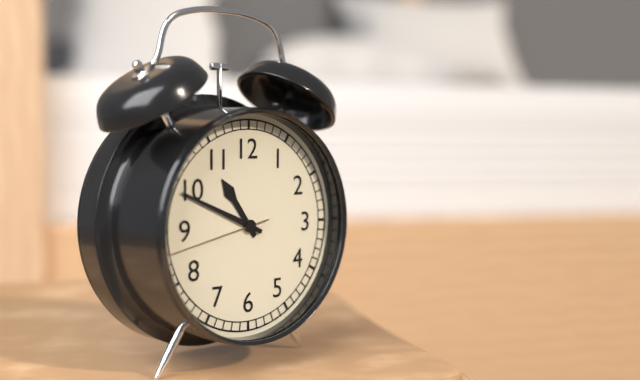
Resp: 10.49.43
